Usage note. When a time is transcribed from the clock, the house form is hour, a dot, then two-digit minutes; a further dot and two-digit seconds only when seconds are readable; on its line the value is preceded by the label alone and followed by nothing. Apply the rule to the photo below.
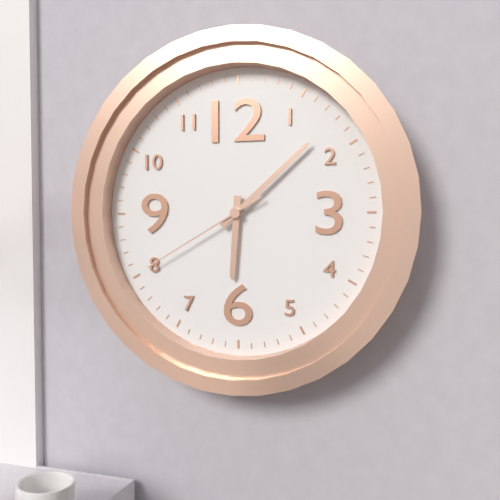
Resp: 6.08.40
